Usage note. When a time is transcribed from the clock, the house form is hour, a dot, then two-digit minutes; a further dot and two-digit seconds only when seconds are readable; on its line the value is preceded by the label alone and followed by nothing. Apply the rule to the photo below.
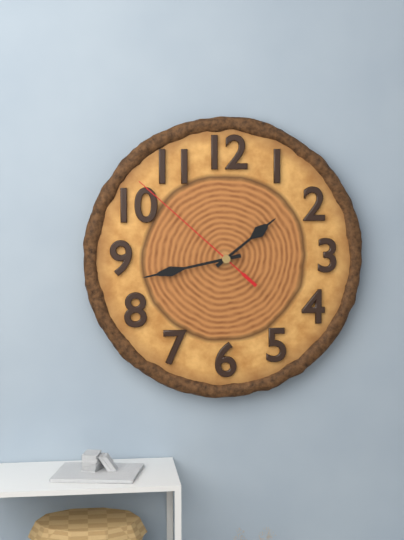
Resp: 1.43.52
